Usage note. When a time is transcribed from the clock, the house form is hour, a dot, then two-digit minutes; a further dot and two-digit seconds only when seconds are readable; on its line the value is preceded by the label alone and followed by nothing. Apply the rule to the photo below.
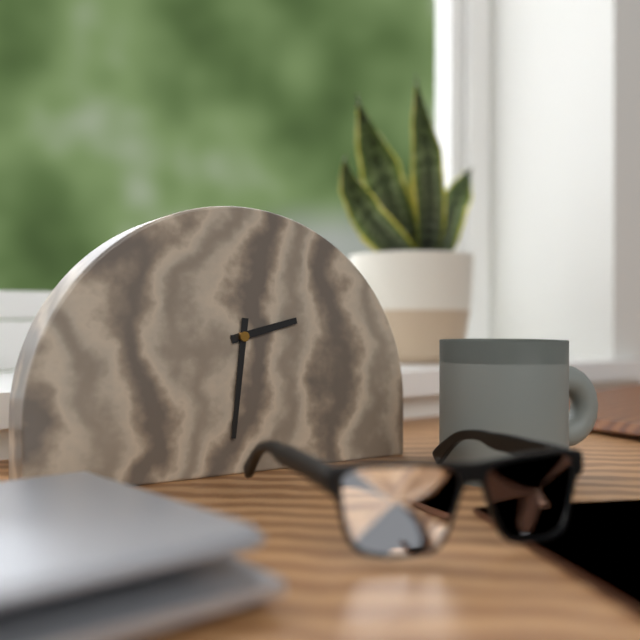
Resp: 2.31
